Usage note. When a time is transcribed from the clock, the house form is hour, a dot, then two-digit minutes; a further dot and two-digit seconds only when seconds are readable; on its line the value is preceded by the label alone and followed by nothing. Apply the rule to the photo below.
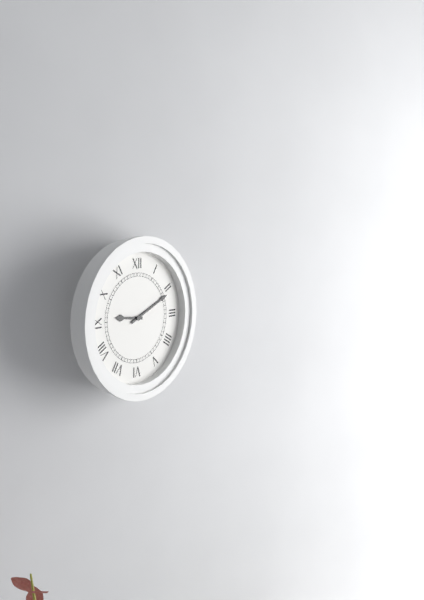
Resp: 9.11
